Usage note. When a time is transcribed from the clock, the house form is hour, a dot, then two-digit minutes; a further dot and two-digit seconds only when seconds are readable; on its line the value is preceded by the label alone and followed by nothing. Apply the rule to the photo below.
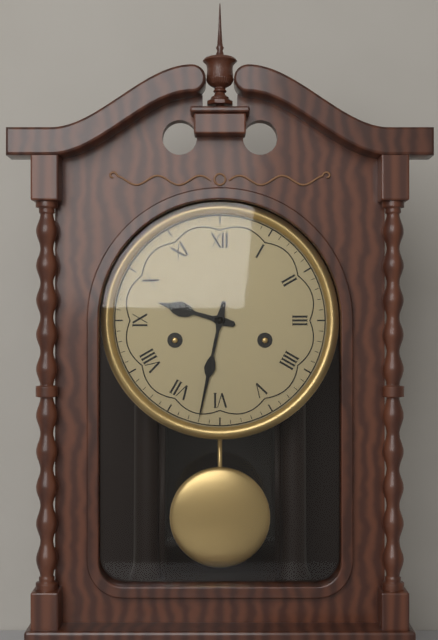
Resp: 9.32
